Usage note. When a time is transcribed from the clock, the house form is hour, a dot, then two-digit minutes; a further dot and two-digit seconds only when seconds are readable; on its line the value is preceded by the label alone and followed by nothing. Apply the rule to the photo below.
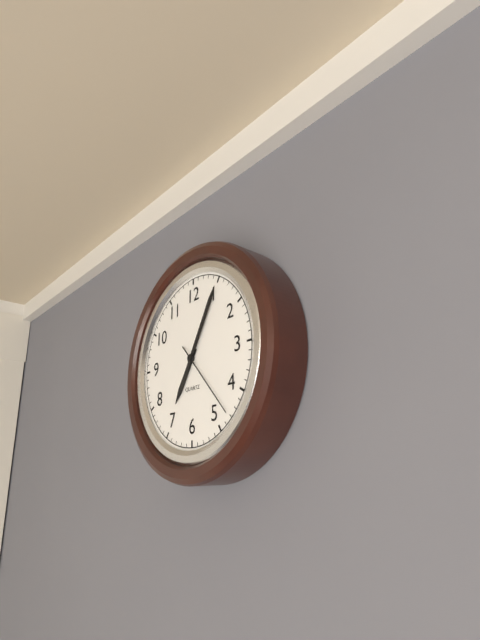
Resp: 7.05.23
